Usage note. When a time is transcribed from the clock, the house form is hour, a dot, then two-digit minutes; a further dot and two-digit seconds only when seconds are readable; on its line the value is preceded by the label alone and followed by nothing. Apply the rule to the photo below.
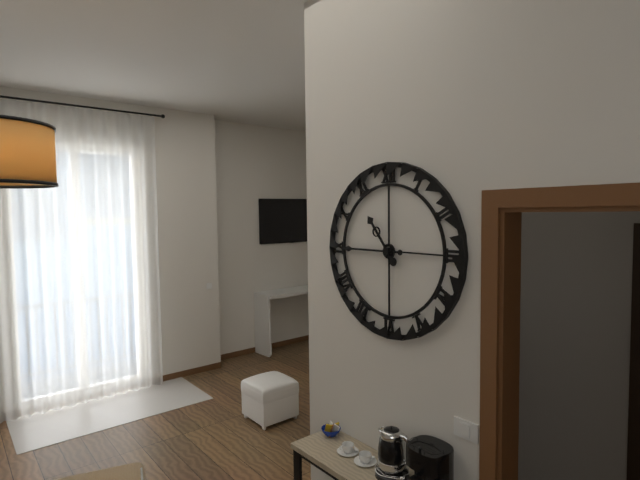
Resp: 10.45
